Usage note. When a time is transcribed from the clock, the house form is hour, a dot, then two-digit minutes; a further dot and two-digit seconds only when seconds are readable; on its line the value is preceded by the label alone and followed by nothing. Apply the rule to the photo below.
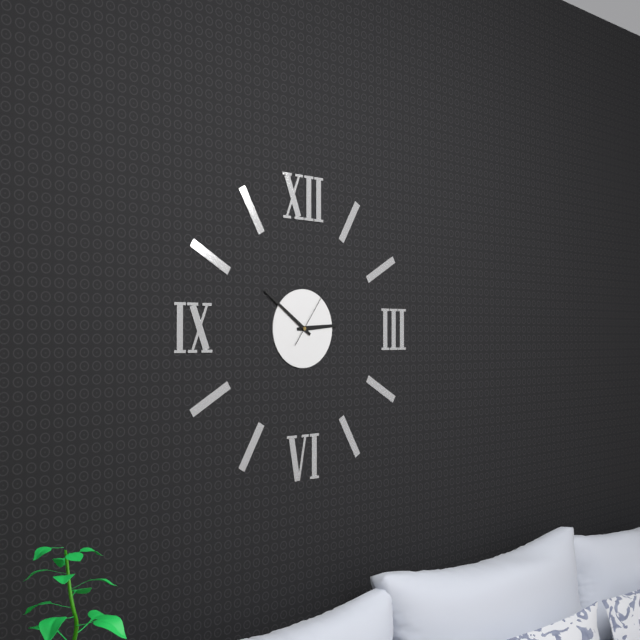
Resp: 2.51.06
